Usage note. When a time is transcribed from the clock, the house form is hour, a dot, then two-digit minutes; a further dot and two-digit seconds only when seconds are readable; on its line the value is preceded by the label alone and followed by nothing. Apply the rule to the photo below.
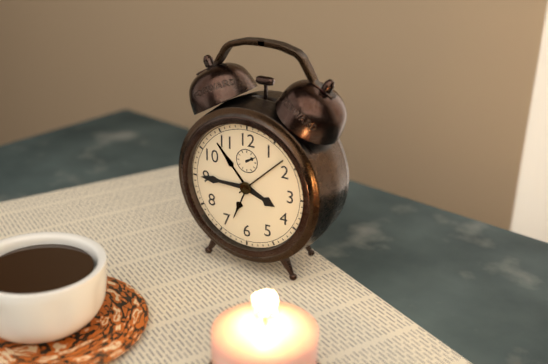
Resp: 3.45
